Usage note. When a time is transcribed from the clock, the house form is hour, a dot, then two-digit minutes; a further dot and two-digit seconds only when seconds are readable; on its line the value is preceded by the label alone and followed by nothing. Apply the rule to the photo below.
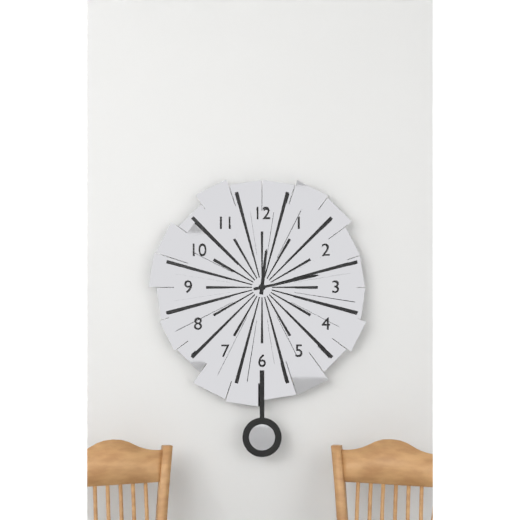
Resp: 12.13
